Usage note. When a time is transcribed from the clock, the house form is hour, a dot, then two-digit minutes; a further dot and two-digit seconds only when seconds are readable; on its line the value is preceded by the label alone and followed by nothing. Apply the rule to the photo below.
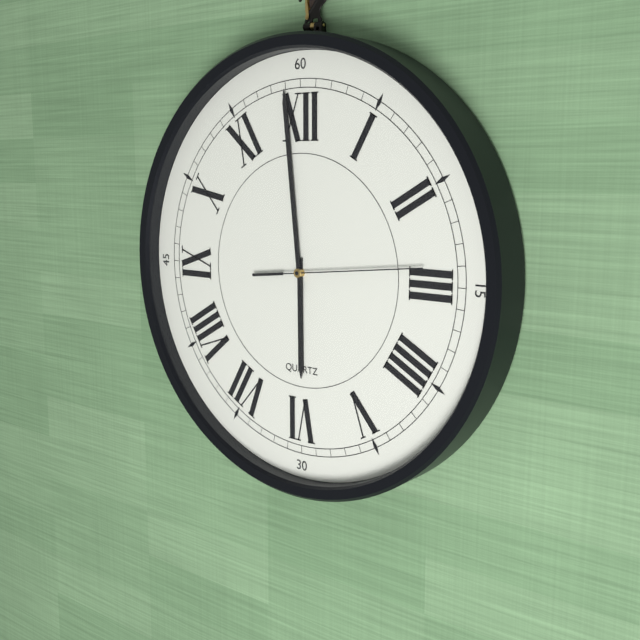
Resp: 5.59.14
